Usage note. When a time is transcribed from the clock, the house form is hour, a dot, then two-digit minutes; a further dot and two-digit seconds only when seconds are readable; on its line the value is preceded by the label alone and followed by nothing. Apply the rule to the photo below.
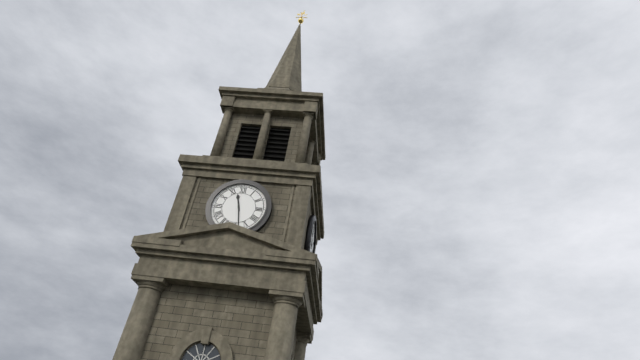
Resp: 11.28
